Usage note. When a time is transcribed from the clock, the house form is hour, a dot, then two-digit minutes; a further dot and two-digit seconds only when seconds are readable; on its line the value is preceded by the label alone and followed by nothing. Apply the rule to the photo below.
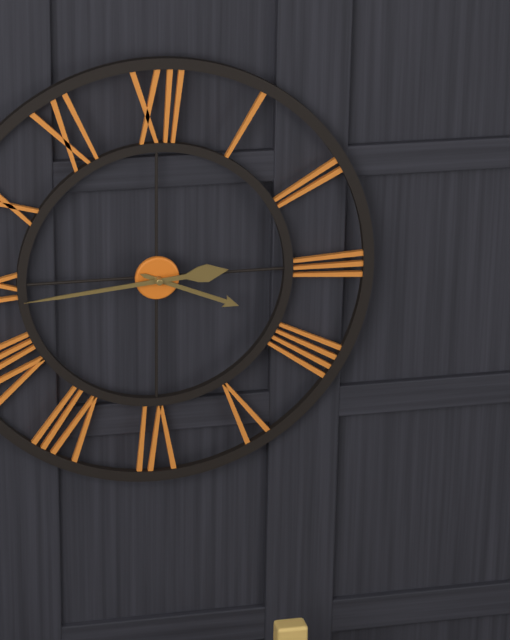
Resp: 3.44
